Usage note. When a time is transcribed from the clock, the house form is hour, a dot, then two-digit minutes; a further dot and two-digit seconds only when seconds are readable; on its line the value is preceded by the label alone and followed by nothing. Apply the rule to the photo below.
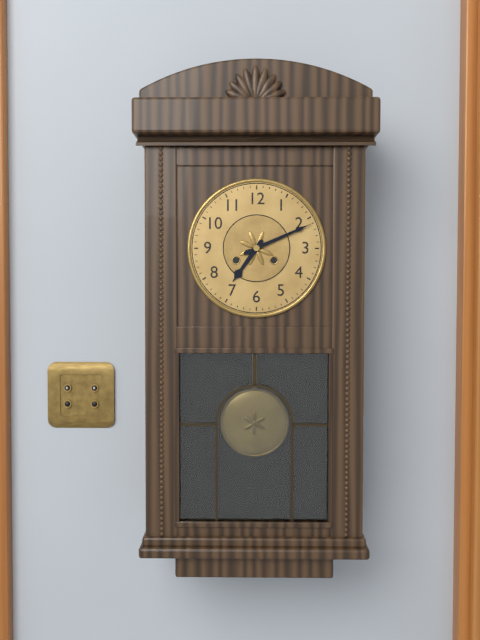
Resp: 7.11
